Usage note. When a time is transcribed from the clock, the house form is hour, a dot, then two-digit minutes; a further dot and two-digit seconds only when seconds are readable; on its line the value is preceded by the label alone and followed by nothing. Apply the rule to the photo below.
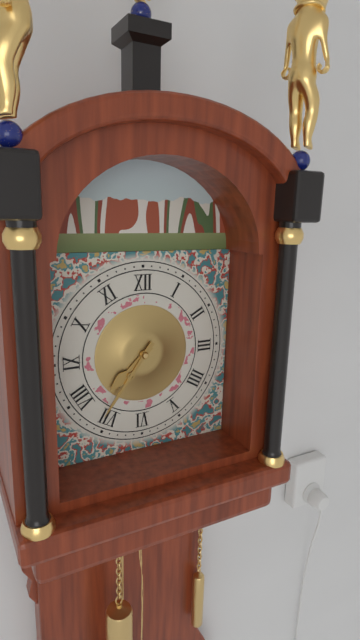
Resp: 7.36
